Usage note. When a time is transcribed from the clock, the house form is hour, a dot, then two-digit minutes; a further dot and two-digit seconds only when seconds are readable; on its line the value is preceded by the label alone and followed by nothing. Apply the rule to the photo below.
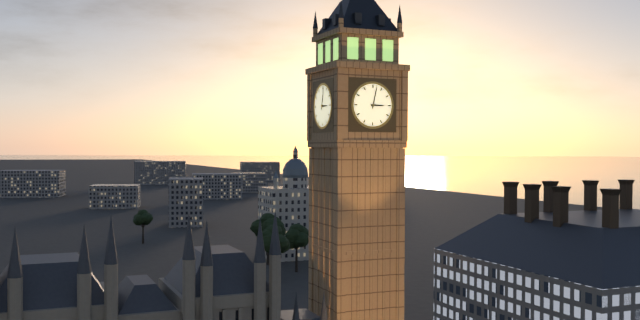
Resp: 3.02
